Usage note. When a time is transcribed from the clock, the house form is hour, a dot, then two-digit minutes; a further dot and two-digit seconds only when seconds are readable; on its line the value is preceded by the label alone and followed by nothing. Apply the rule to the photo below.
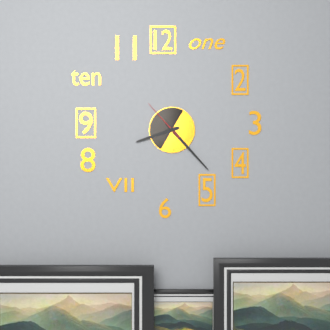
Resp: 8.23
